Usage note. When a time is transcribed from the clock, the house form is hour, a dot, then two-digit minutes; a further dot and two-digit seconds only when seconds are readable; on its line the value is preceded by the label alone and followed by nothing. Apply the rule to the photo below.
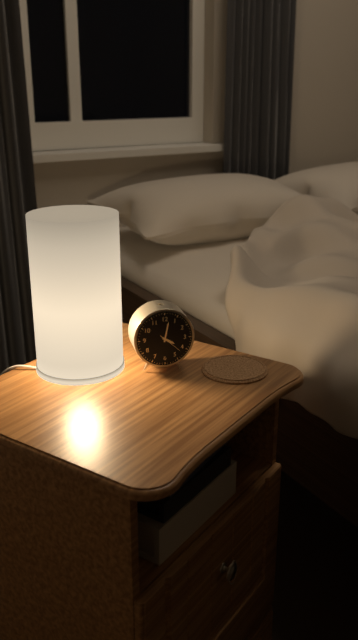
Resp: 4.02
